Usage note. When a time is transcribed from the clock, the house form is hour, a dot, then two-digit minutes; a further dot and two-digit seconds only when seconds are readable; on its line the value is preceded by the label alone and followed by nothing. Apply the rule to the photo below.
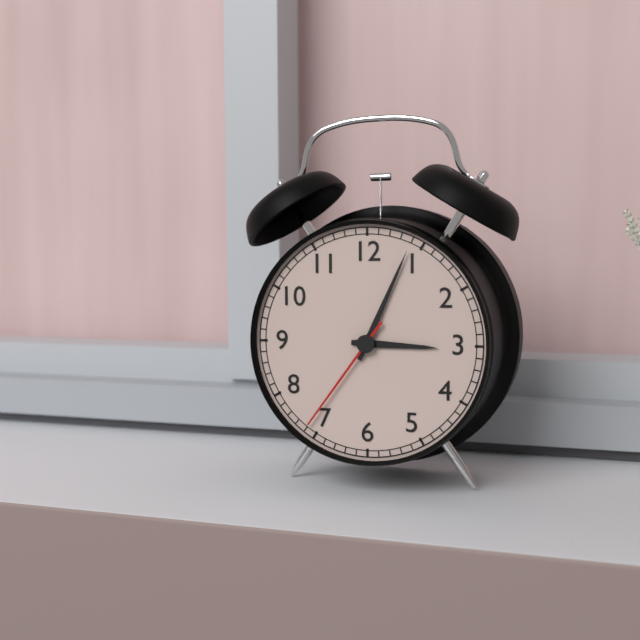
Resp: 3.04.36
